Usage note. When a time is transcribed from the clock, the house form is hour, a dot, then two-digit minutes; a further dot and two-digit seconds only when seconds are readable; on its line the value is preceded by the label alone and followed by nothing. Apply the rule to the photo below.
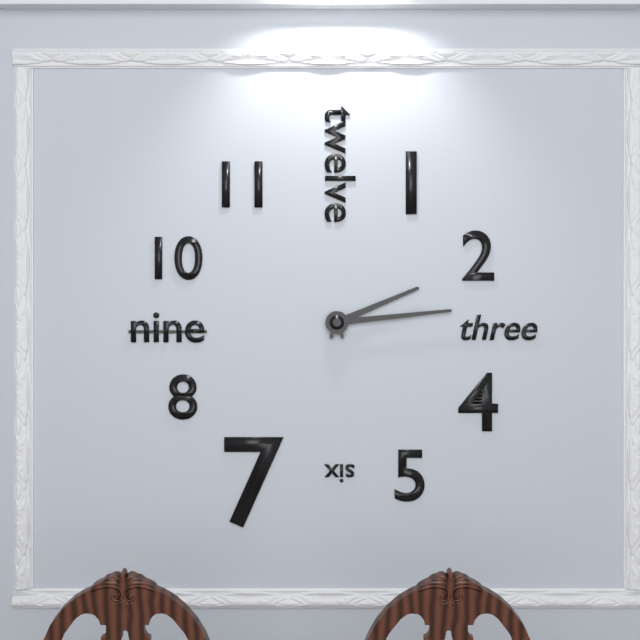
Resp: 2.14
